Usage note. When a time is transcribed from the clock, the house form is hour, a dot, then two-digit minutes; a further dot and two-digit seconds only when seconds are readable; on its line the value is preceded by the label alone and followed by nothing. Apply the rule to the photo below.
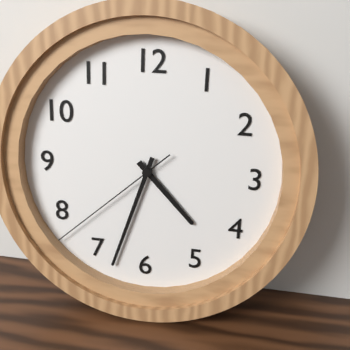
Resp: 4.33.38
